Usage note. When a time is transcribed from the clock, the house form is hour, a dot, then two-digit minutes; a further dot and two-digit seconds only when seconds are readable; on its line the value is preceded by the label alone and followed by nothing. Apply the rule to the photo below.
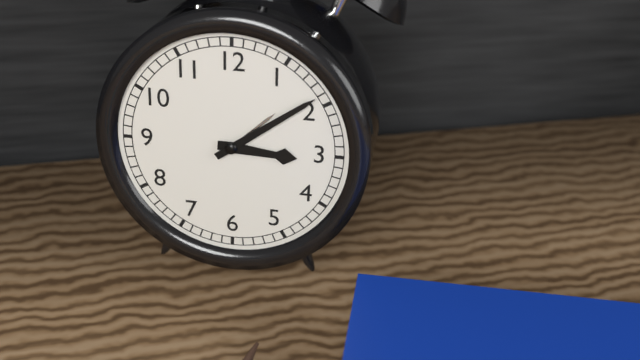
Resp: 3.09
